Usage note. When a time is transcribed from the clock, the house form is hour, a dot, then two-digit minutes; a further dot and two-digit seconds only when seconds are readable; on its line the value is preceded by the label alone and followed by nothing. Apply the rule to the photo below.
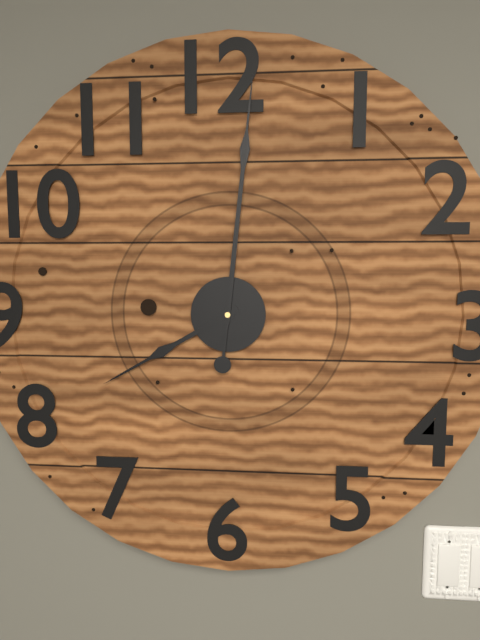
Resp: 8.01
